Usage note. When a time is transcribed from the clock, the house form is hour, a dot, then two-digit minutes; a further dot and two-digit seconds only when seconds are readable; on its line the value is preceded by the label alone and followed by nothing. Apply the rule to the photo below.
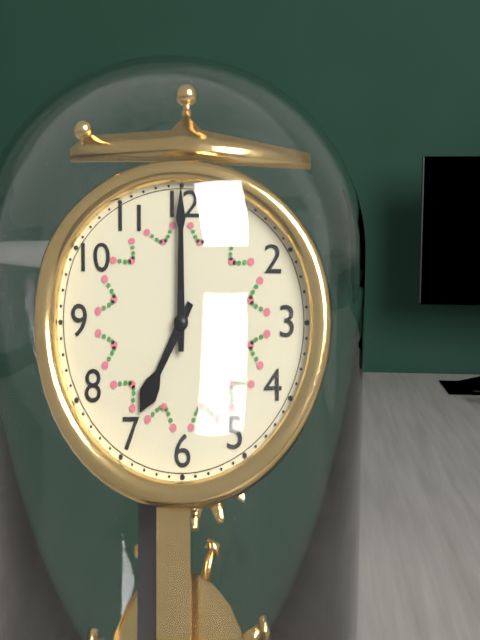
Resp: 7.00
